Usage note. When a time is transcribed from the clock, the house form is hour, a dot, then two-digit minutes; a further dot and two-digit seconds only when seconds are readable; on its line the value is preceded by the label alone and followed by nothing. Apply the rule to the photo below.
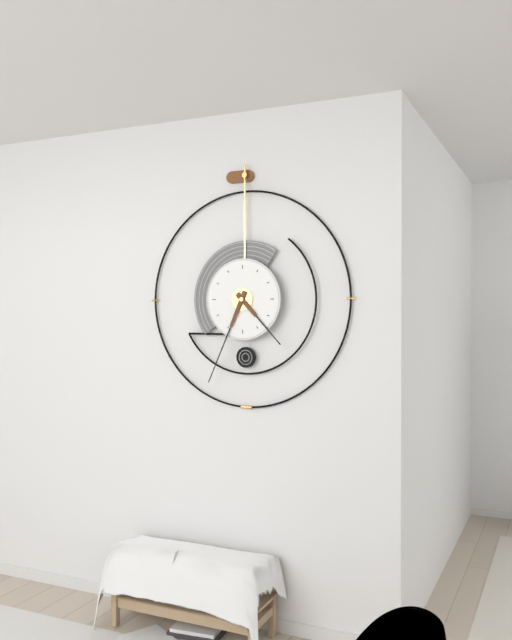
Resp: 4.34
